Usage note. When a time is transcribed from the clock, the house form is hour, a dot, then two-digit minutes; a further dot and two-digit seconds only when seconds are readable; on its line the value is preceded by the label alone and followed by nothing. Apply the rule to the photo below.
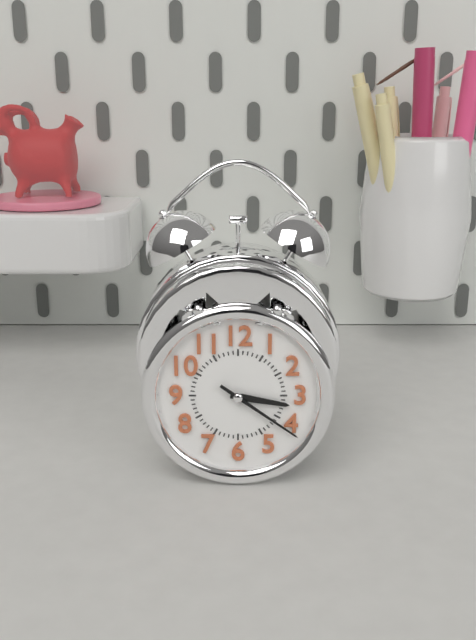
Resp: 3.21
